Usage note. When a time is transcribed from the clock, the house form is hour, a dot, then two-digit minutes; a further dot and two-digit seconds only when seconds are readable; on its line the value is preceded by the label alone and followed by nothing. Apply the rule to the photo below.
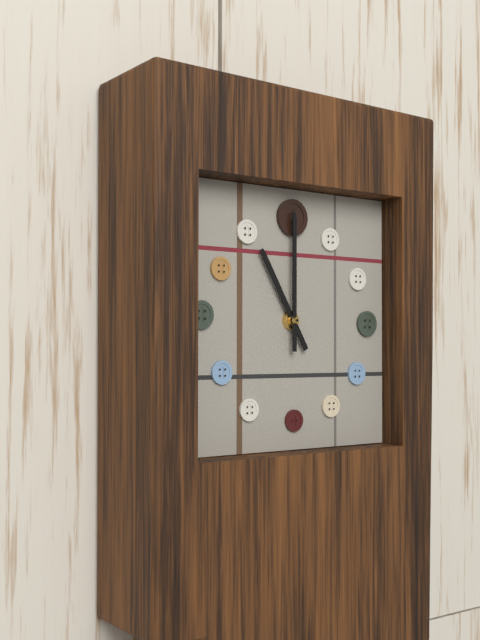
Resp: 11.00
